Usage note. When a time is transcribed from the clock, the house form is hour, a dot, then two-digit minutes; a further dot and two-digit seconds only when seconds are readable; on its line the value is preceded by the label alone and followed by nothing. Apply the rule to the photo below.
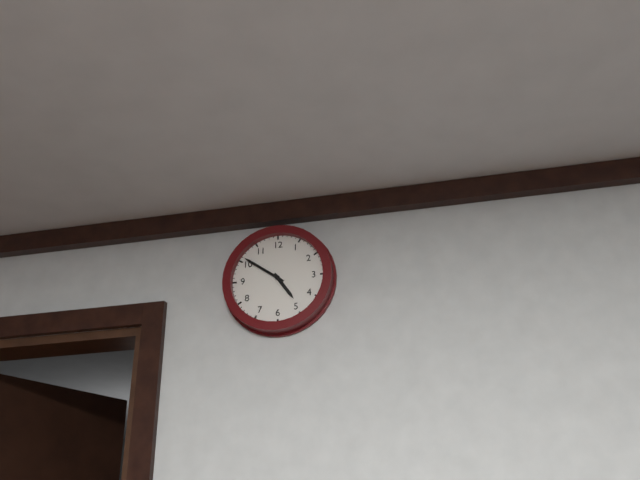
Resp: 4.51
